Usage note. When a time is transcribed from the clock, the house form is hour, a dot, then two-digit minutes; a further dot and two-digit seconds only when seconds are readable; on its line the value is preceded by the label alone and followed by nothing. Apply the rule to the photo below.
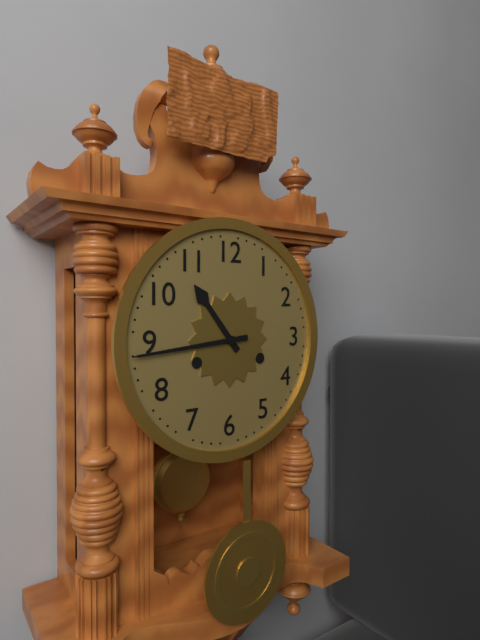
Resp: 10.44
